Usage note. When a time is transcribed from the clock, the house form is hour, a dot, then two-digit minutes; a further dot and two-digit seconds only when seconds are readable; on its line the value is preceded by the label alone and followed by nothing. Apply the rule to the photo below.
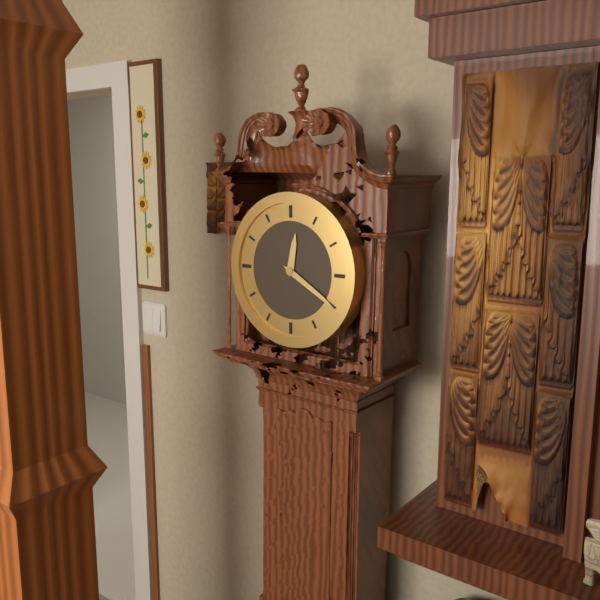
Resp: 12.20
